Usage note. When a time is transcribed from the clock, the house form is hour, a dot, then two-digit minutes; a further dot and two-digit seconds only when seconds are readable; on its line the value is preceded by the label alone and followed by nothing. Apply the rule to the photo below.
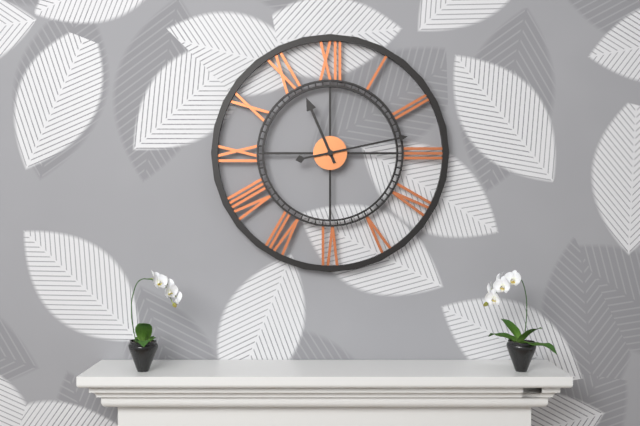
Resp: 11.13
